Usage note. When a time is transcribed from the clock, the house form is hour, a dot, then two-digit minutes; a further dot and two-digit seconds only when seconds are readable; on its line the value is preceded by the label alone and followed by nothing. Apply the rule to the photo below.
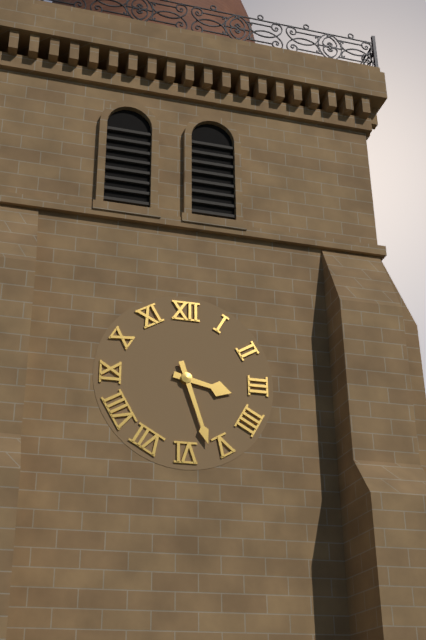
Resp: 3.27
